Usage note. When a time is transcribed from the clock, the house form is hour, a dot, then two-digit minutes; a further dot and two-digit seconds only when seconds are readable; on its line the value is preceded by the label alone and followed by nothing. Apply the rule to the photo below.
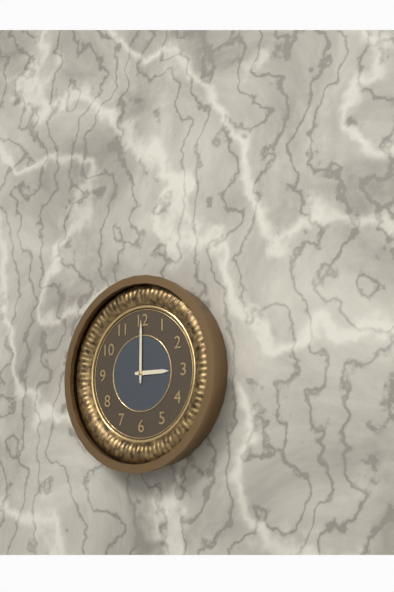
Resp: 3.00
